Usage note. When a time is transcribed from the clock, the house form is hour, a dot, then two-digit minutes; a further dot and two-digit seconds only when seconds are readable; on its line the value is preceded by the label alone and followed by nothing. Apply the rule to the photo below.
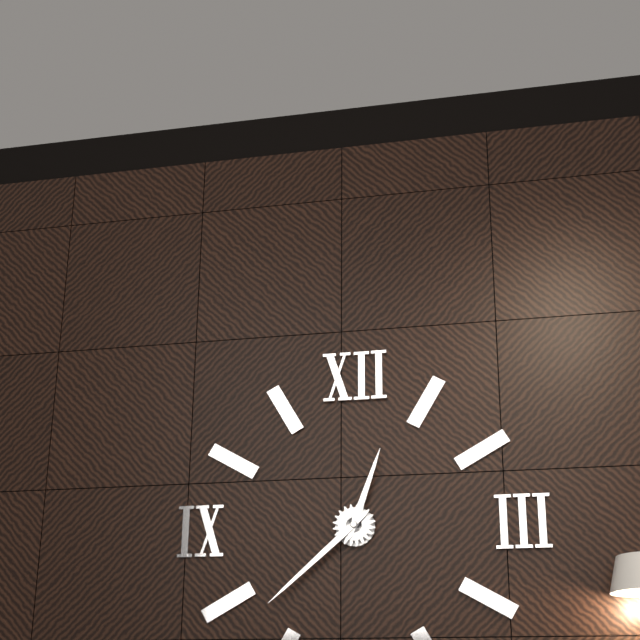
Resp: 12.38
